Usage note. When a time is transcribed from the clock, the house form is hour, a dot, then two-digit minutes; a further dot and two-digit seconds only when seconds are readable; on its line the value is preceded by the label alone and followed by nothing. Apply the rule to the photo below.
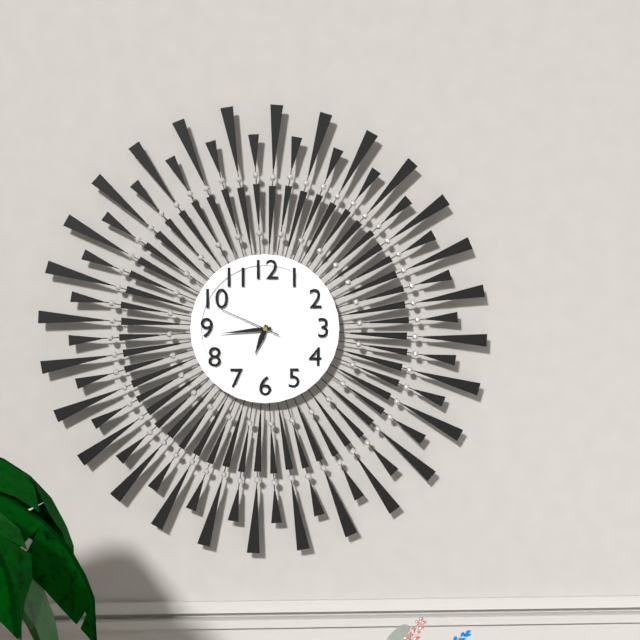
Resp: 6.44.49
